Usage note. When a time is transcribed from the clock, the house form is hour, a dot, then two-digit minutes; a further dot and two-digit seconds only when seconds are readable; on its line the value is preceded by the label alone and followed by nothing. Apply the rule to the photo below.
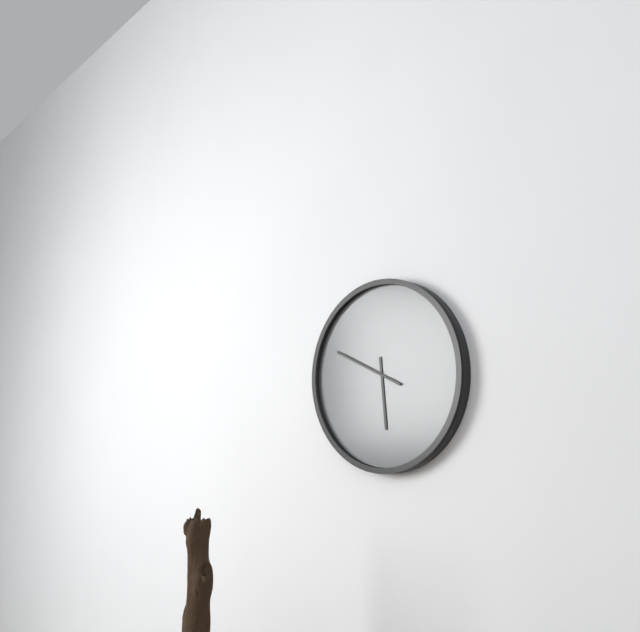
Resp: 5.49
